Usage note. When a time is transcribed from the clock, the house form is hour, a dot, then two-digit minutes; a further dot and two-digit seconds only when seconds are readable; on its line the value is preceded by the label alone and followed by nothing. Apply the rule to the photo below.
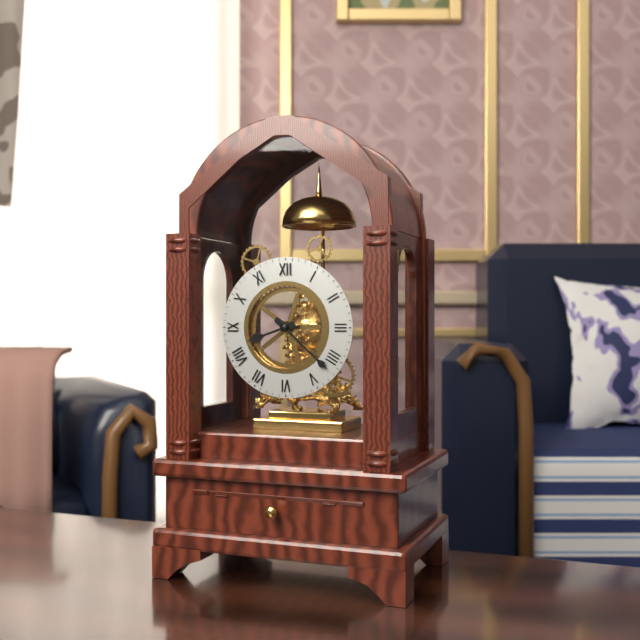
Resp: 8.22
